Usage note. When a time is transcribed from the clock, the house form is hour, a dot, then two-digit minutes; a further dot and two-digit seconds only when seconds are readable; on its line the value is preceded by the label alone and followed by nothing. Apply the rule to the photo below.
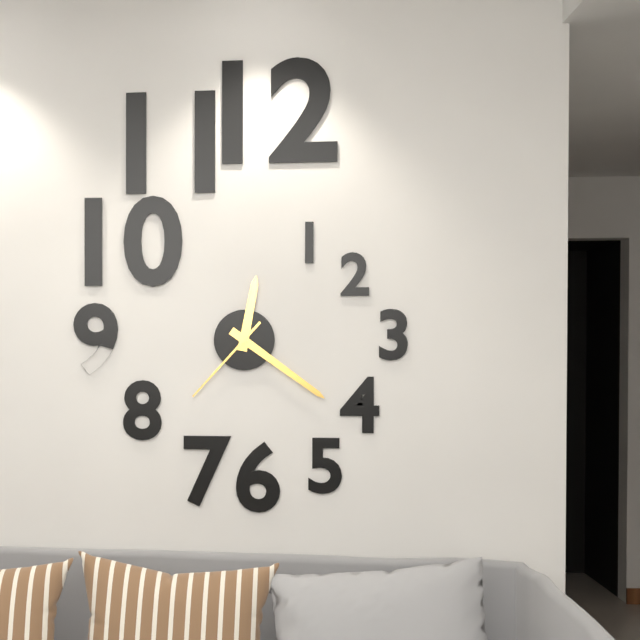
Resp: 12.21.37
